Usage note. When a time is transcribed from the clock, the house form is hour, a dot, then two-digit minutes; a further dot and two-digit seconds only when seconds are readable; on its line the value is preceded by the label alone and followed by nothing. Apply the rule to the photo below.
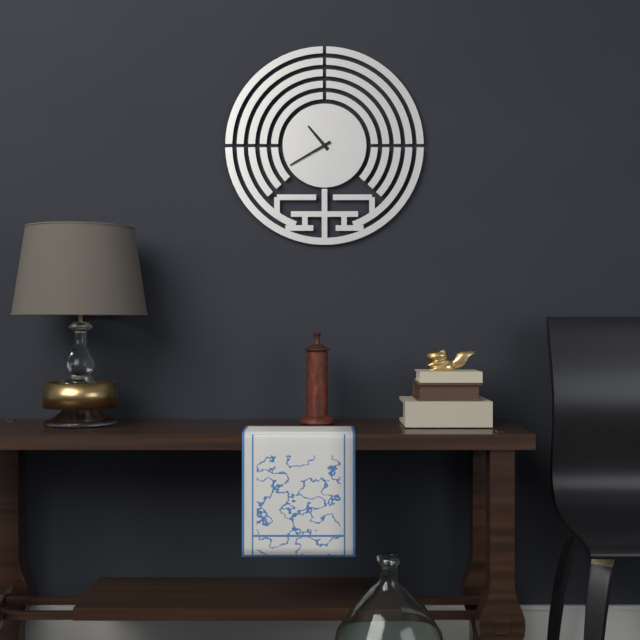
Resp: 10.40
